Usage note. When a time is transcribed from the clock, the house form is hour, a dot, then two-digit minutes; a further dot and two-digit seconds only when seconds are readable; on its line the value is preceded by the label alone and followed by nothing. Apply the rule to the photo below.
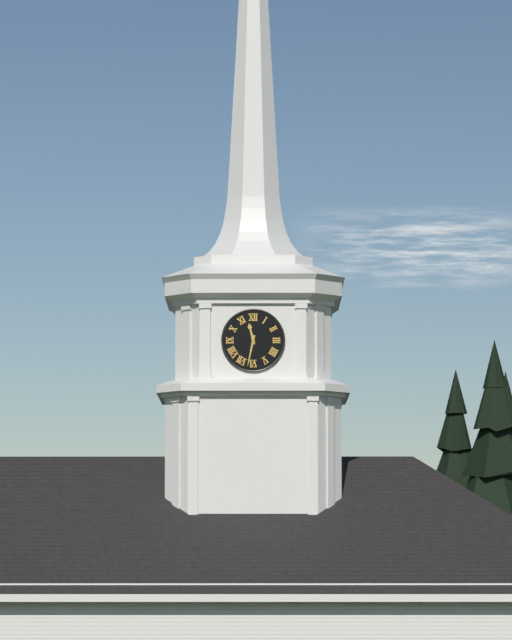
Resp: 11.32
